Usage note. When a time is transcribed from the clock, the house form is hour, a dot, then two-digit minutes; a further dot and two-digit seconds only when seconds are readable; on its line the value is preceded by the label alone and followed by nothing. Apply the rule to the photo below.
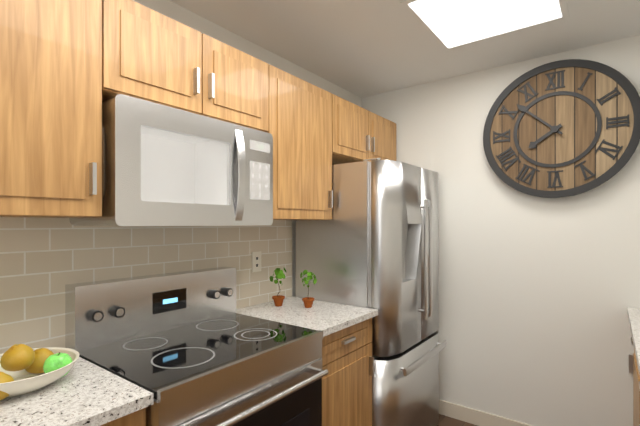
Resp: 7.52
